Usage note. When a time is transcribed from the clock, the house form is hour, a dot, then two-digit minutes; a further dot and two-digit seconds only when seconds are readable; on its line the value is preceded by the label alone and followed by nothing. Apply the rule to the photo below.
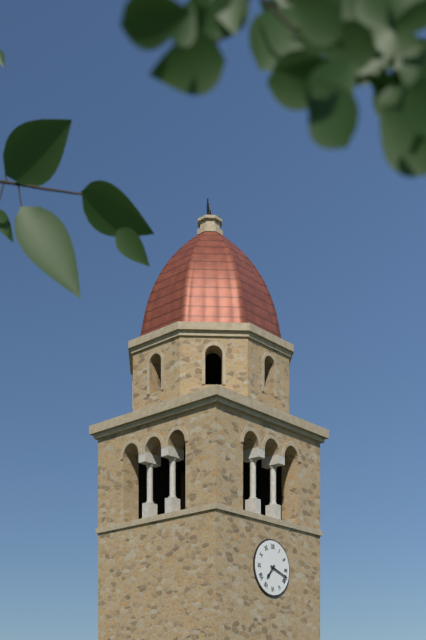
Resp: 7.18
